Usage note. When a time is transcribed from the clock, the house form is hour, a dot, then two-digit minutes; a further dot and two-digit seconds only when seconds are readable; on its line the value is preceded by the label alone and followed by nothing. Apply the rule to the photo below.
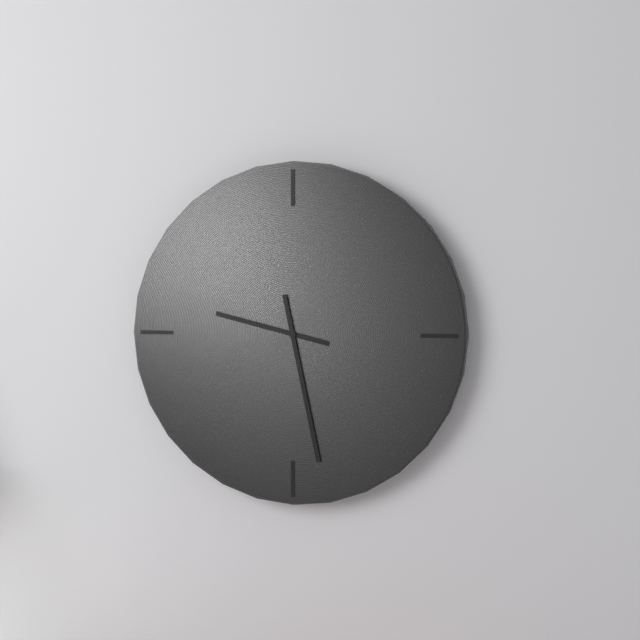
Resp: 9.28
